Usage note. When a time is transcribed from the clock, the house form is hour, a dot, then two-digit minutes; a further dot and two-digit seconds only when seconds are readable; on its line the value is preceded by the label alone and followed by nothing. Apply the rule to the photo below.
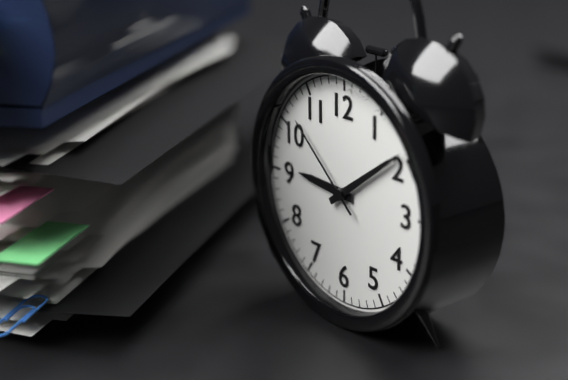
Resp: 9.09.52
